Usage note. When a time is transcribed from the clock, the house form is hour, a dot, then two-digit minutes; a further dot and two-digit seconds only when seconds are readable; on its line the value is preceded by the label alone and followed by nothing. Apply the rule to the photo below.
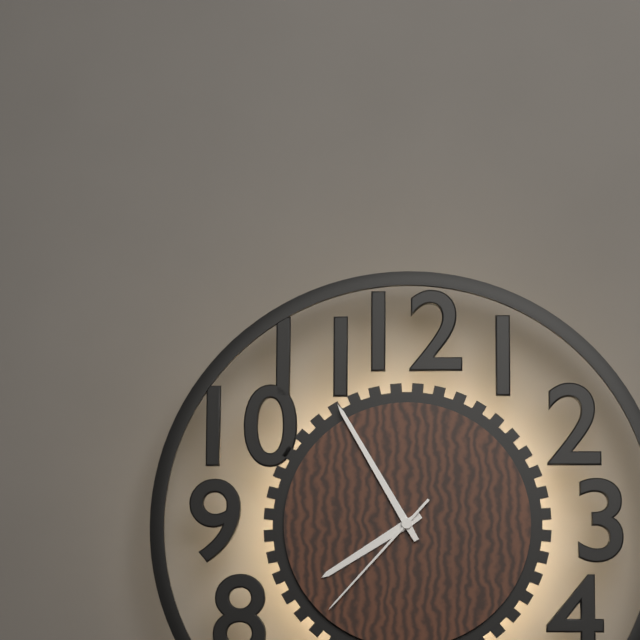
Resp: 7.55.37
